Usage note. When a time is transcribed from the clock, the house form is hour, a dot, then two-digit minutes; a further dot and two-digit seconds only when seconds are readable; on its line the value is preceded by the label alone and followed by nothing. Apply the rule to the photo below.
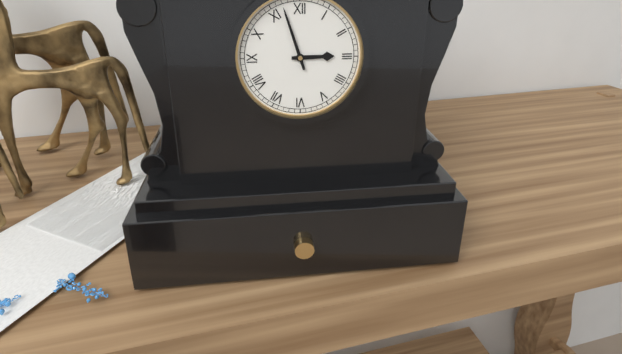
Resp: 2.57
